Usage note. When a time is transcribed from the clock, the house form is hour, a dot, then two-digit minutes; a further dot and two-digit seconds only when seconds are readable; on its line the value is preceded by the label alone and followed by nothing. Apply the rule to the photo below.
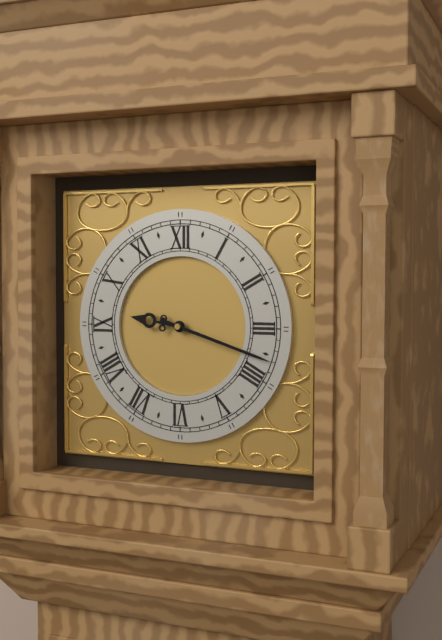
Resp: 9.18
